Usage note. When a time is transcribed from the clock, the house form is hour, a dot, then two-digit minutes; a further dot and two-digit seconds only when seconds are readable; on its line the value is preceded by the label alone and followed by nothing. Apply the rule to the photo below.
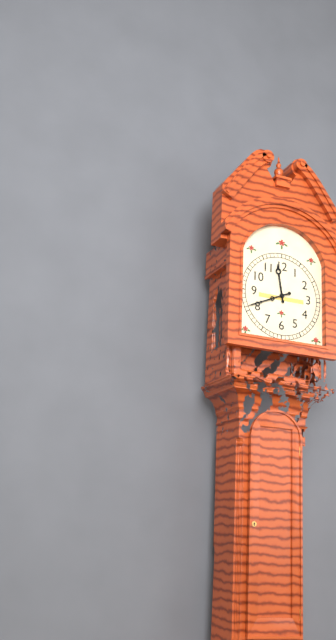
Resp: 11.41
